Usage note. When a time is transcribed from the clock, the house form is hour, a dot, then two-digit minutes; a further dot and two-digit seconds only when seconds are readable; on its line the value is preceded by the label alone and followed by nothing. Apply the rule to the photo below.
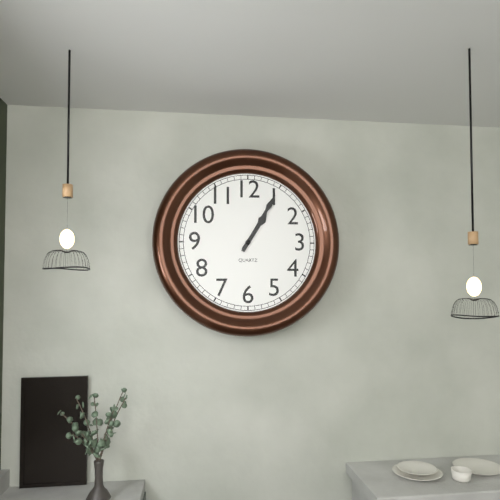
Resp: 1.05
